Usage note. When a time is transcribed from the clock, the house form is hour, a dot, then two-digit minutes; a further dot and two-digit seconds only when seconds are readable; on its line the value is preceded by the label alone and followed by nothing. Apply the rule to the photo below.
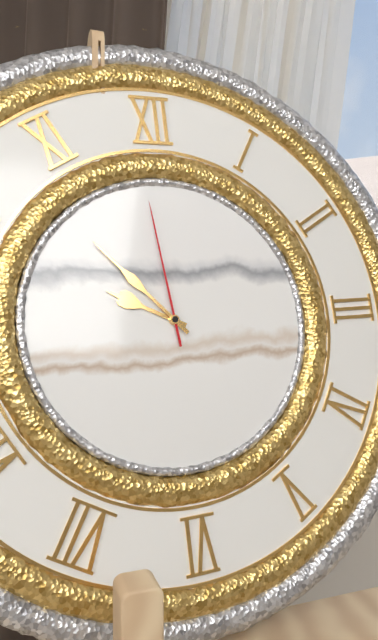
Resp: 9.53.59
